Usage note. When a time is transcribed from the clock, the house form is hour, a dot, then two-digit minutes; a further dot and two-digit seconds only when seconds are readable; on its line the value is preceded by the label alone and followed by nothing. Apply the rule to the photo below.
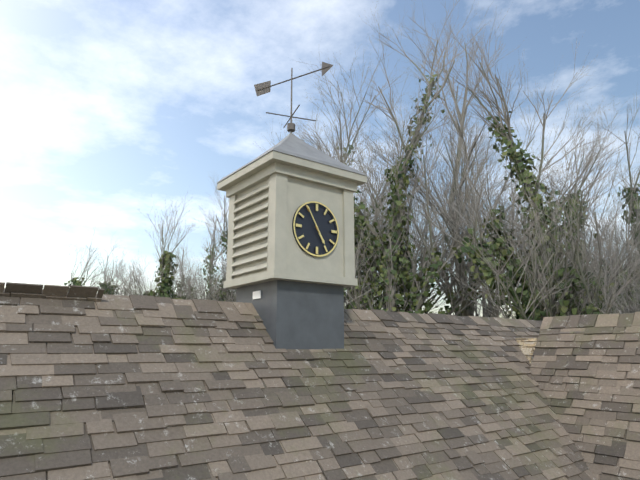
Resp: 4.55
